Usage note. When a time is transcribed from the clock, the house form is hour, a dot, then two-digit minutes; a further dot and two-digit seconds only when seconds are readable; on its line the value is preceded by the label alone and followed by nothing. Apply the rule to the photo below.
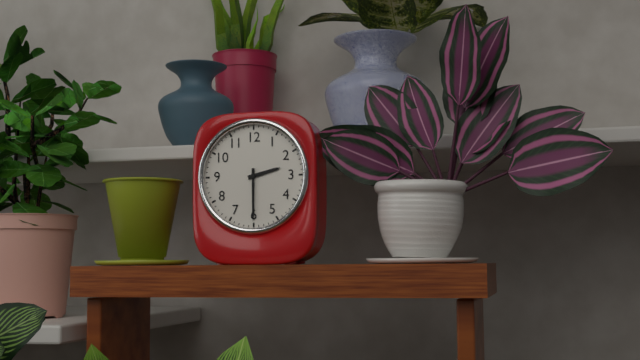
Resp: 2.30
